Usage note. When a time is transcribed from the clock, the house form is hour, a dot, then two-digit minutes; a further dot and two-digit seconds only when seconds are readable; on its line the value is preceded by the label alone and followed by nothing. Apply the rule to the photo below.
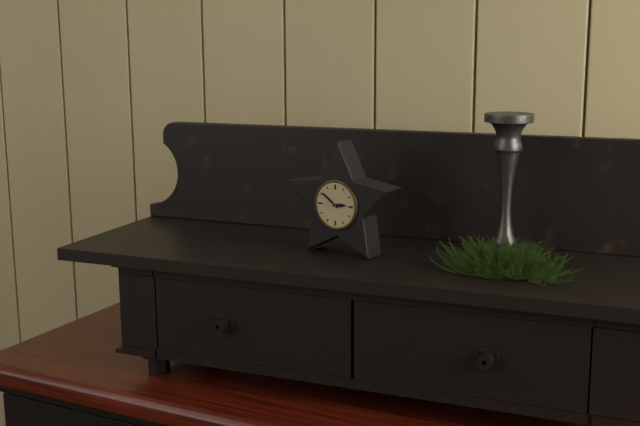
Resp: 2.51
